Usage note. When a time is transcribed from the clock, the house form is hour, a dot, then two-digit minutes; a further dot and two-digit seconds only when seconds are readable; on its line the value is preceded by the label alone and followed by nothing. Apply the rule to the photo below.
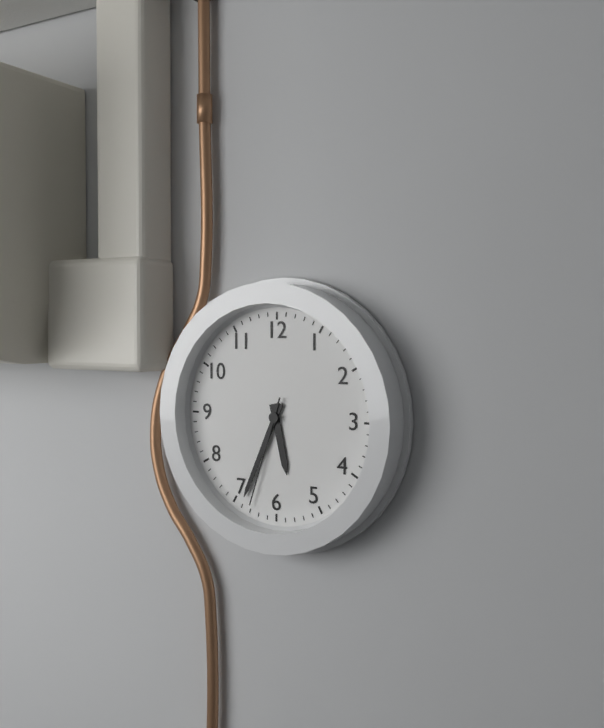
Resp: 5.34.33
